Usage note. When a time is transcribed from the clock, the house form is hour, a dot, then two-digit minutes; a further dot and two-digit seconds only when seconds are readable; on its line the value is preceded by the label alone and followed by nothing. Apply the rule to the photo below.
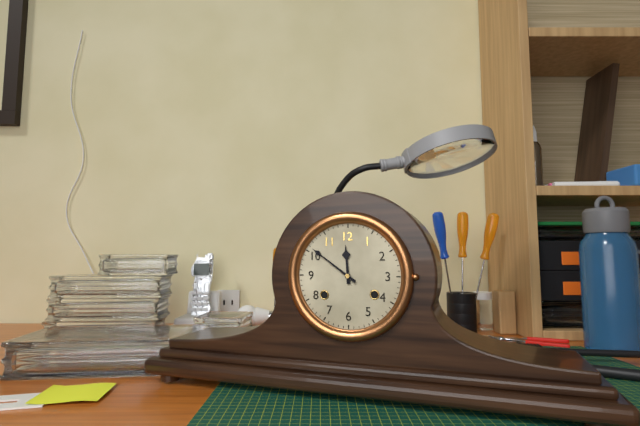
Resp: 11.51
